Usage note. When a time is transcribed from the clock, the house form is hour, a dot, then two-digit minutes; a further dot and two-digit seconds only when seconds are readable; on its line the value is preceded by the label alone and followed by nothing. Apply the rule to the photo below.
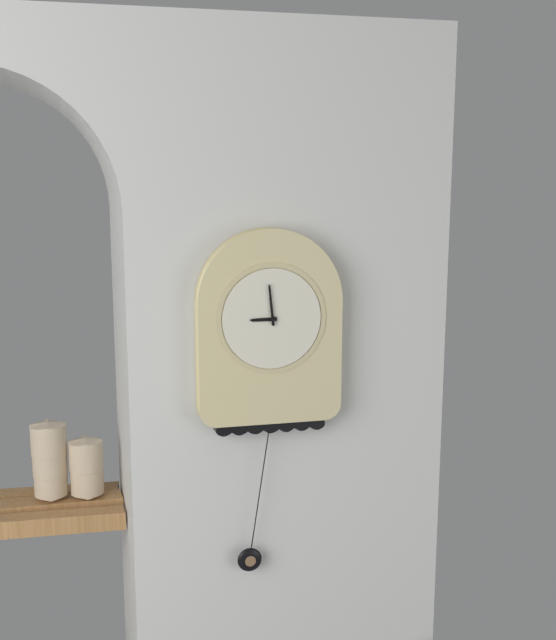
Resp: 8.59
